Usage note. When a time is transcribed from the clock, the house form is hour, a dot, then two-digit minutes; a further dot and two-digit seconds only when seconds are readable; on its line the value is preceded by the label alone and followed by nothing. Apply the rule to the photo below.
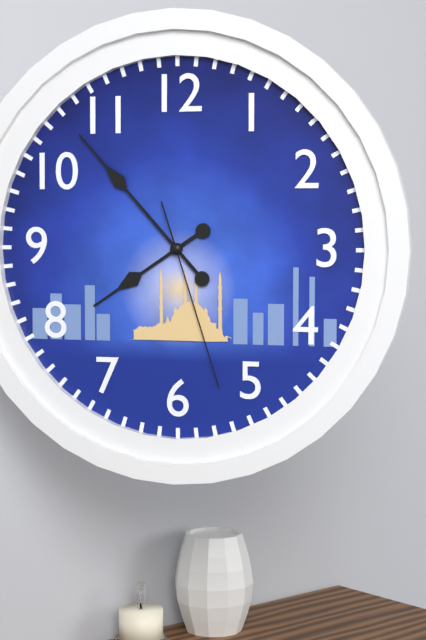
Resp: 7.53.27
